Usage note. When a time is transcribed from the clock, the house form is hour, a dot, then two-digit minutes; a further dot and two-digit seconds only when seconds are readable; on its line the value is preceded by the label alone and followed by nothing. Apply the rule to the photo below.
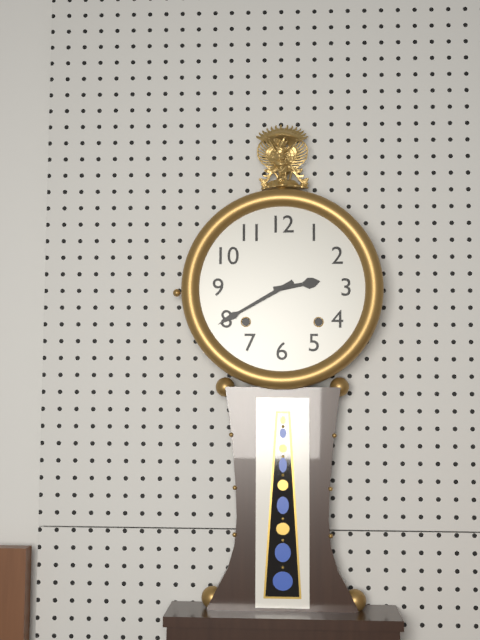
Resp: 2.40
